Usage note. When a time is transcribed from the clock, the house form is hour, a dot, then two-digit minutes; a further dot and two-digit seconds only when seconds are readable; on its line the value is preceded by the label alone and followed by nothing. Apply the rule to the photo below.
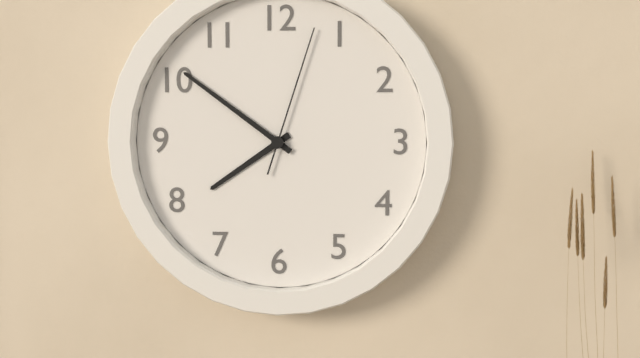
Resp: 7.51.03
